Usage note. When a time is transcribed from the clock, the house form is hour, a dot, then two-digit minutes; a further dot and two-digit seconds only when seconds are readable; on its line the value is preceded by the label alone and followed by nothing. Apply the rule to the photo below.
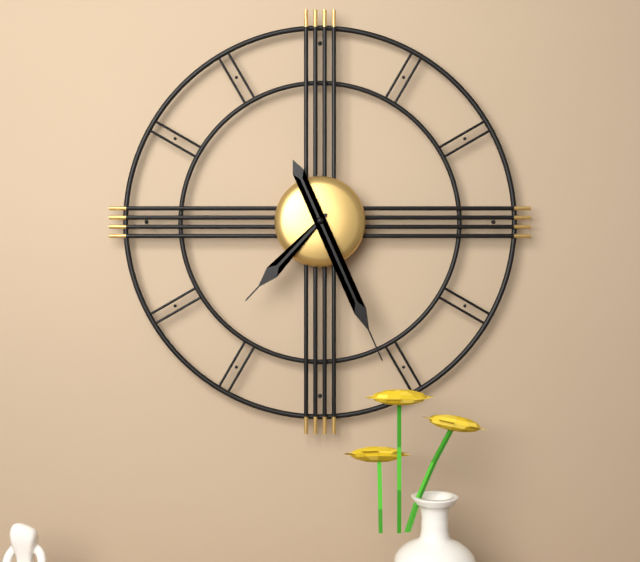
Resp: 7.26
